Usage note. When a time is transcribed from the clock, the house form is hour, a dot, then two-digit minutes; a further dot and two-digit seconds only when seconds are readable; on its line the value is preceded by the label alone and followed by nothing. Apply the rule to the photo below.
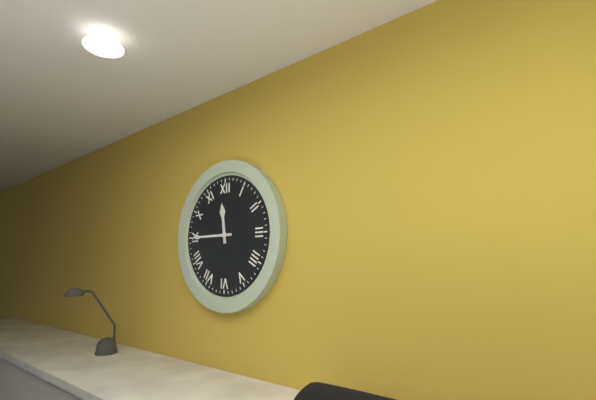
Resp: 11.45
